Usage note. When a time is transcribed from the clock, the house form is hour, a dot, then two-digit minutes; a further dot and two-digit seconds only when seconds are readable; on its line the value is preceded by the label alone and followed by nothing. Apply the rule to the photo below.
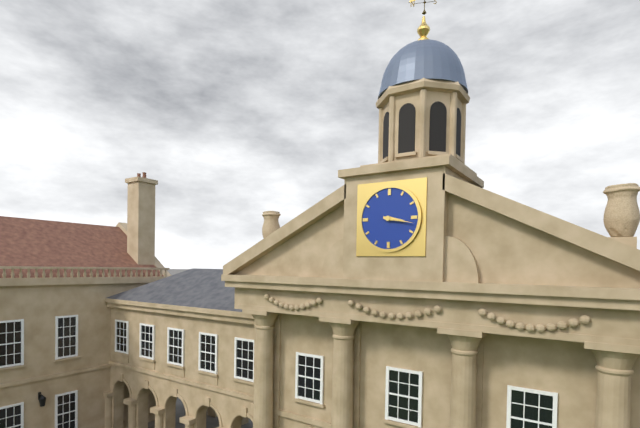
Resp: 3.17
